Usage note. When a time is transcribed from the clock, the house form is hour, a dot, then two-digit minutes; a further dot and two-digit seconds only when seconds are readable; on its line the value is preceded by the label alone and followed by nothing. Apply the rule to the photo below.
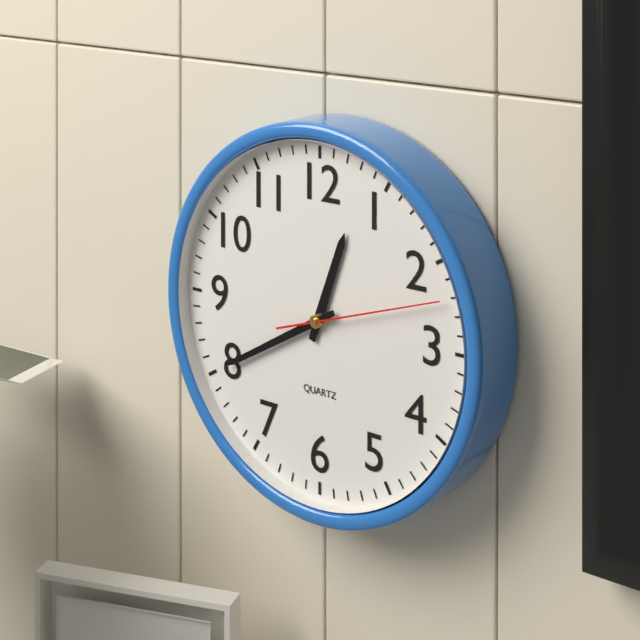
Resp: 12.40.12
